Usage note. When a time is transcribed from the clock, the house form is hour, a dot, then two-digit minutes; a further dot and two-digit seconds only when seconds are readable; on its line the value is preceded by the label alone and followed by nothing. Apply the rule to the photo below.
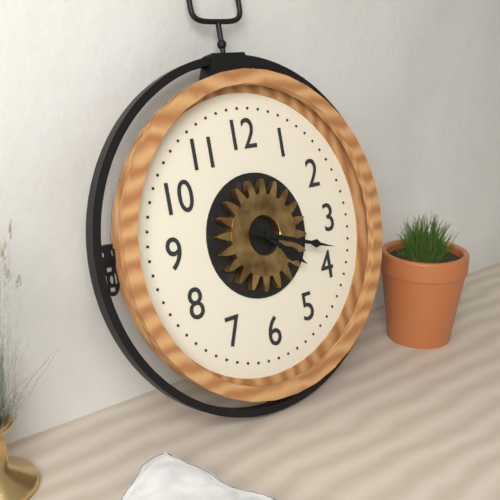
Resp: 4.18
